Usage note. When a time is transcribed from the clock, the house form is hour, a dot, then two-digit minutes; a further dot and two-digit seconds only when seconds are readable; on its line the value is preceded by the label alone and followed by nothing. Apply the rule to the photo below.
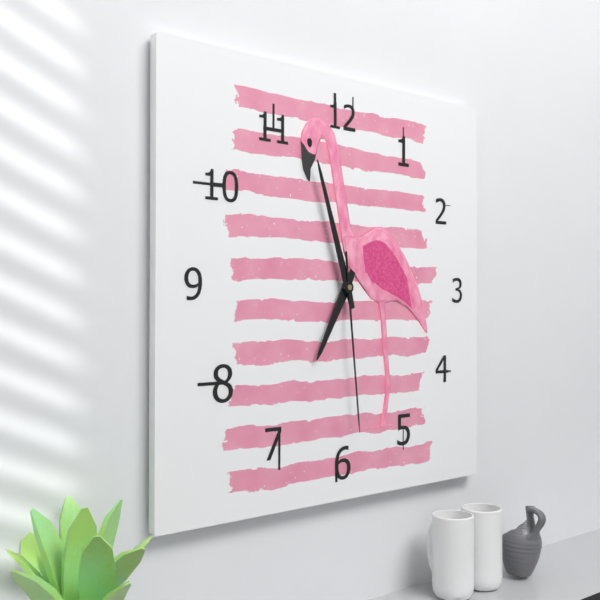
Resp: 6.57.29
